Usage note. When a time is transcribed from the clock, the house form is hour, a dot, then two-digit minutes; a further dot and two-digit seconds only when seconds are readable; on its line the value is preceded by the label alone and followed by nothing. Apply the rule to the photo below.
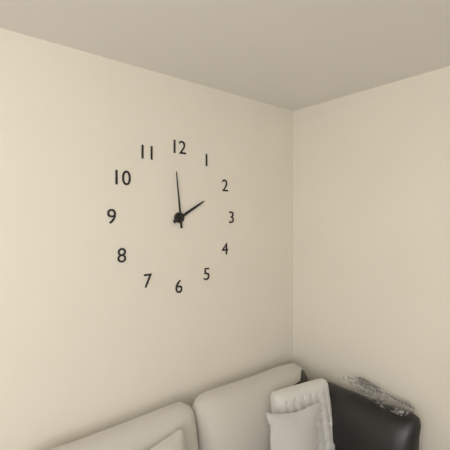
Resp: 1.59
